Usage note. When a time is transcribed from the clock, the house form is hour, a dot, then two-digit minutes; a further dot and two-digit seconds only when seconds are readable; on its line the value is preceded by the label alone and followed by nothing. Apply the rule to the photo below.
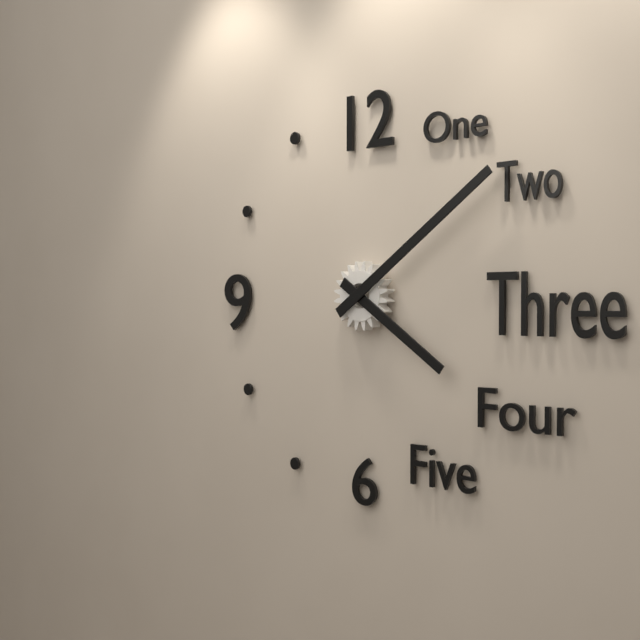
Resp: 4.09
